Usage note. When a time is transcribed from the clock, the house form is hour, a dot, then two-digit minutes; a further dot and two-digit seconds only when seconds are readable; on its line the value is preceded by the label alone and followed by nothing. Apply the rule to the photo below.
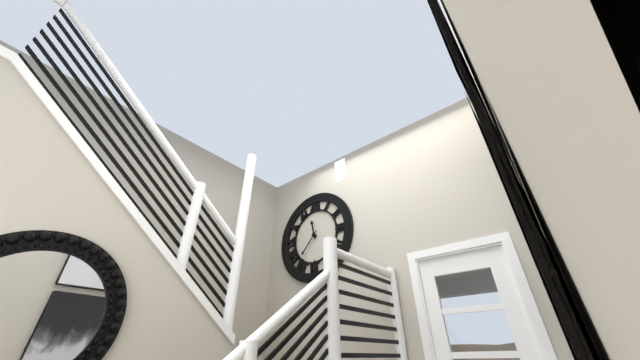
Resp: 11.37
